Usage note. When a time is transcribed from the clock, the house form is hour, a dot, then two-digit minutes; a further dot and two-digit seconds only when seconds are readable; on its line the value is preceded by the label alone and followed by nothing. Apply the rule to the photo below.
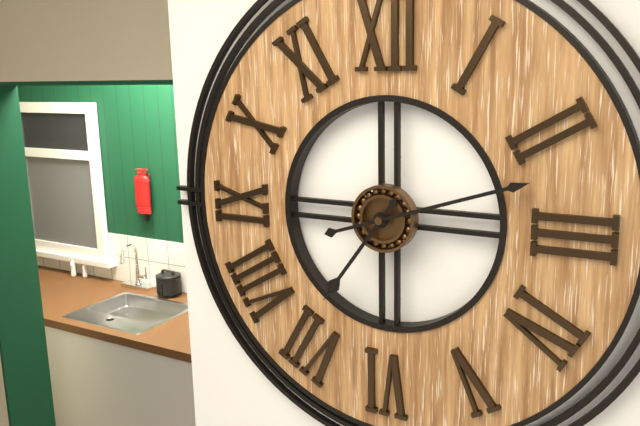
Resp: 7.12
